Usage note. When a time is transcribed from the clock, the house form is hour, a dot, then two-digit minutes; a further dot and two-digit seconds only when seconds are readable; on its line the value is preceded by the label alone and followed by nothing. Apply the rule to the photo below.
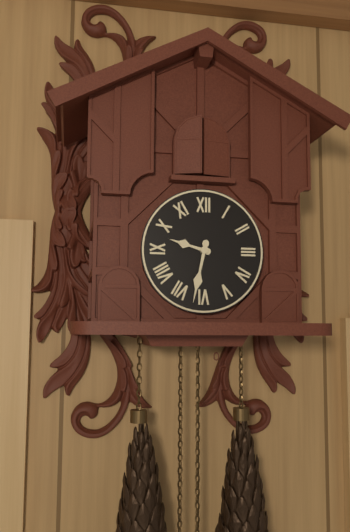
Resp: 9.32
